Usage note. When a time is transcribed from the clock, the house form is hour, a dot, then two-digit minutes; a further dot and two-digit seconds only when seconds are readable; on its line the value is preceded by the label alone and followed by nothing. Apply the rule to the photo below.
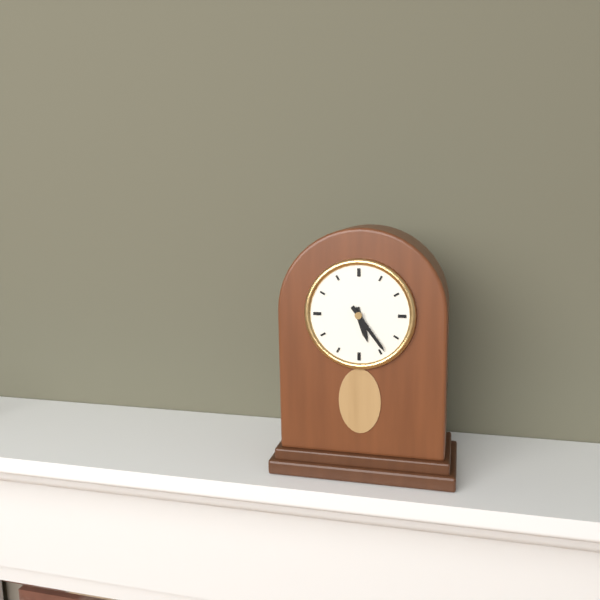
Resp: 5.24
